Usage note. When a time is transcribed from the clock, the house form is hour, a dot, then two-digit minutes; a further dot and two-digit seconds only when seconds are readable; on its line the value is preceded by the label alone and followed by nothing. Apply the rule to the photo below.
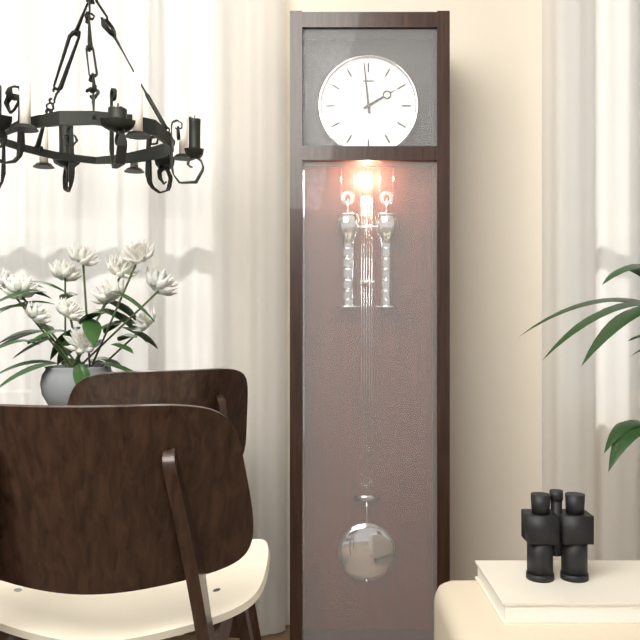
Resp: 1.59
